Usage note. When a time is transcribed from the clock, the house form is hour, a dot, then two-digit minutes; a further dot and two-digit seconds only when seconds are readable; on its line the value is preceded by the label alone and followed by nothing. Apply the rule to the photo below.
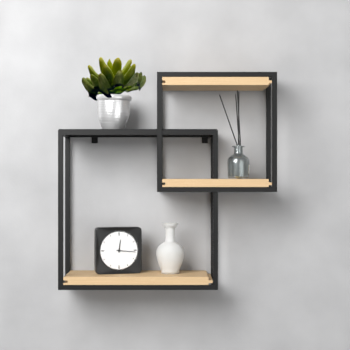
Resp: 12.16
